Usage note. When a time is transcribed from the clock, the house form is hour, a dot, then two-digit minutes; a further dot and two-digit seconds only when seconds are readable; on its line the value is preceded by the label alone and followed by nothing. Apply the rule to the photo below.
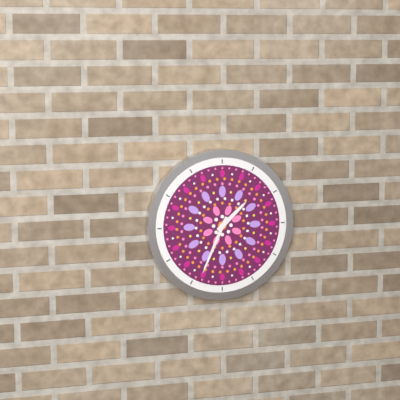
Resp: 1.34
